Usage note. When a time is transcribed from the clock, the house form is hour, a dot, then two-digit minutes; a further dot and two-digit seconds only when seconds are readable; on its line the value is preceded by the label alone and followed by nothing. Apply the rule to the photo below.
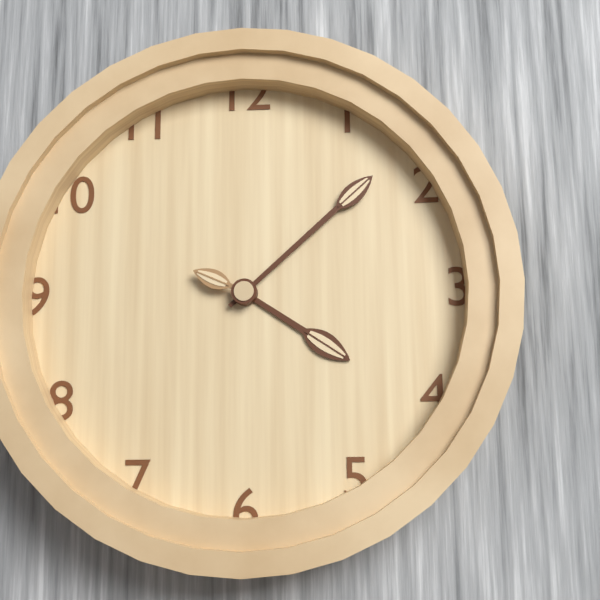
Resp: 4.08.49
